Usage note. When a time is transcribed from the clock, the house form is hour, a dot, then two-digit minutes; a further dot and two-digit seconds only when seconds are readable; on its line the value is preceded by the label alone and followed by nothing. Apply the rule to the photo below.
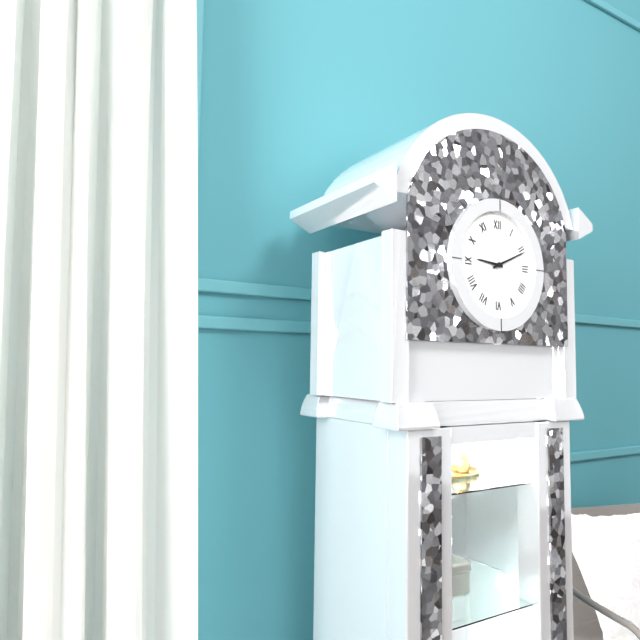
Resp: 9.11
